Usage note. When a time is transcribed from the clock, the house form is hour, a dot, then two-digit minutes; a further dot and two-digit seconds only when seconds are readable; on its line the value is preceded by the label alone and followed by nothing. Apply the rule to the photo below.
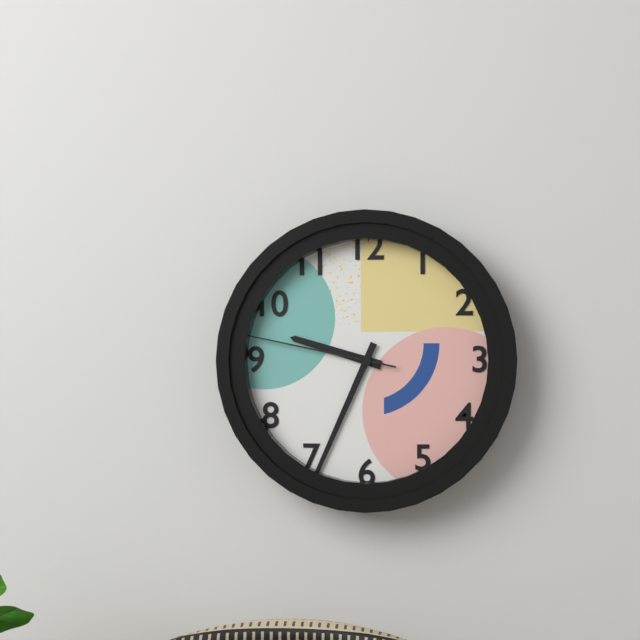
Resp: 9.34.47
